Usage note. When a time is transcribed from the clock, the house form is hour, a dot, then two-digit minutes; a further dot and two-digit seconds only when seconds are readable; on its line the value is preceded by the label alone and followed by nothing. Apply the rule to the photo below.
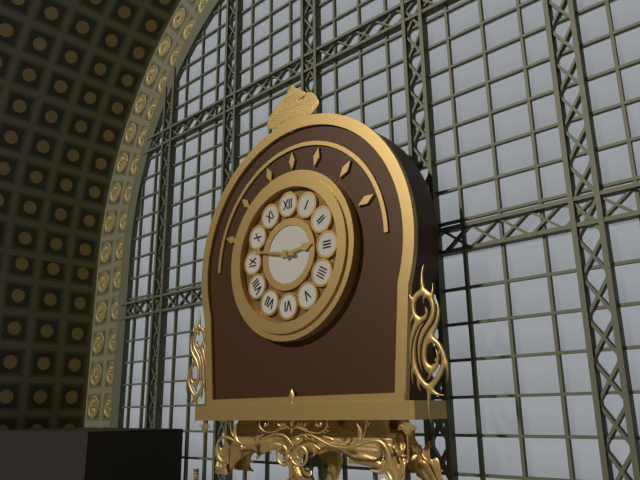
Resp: 2.47
